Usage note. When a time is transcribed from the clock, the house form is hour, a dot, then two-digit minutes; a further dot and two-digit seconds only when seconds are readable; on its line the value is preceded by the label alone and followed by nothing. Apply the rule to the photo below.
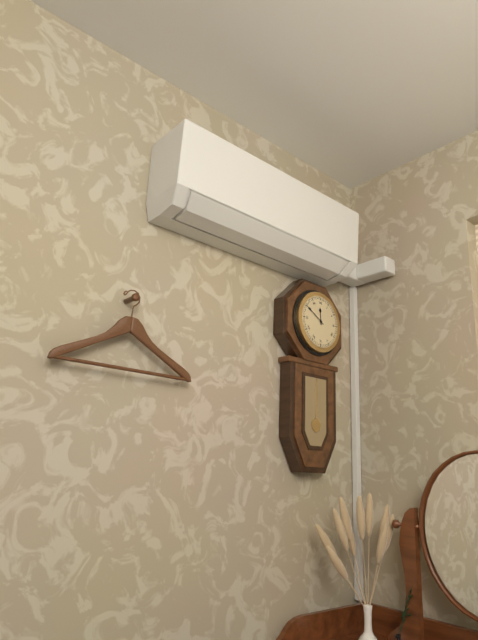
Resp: 11.50
